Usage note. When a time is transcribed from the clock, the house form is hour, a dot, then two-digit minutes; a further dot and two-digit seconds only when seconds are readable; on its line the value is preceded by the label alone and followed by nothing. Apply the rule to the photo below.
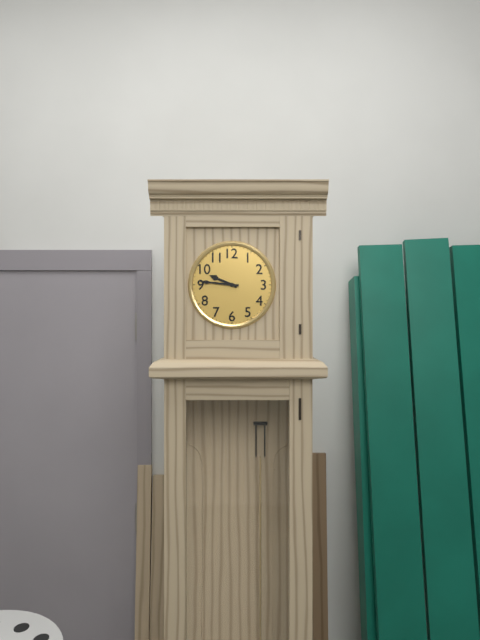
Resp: 9.46
